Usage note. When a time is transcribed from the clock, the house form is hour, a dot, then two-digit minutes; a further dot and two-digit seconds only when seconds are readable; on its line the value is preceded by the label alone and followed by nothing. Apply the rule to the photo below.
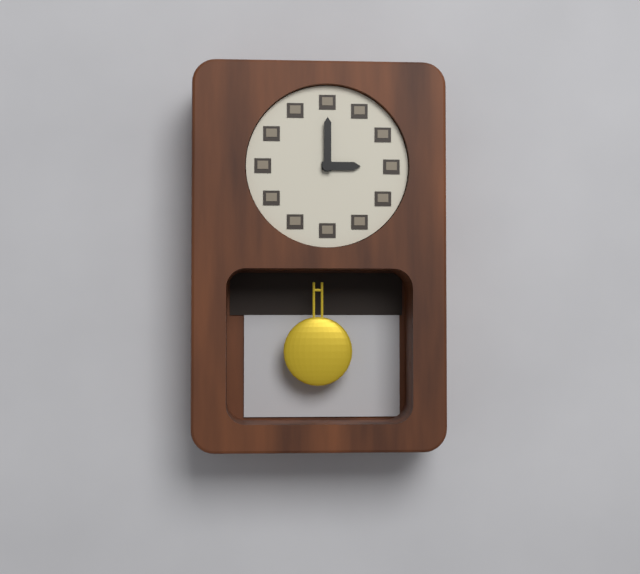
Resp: 3.00
